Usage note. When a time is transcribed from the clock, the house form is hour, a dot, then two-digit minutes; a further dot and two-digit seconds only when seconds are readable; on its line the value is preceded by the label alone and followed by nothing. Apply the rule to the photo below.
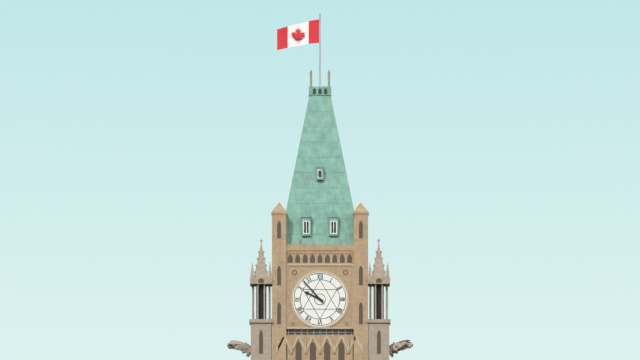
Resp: 9.53
